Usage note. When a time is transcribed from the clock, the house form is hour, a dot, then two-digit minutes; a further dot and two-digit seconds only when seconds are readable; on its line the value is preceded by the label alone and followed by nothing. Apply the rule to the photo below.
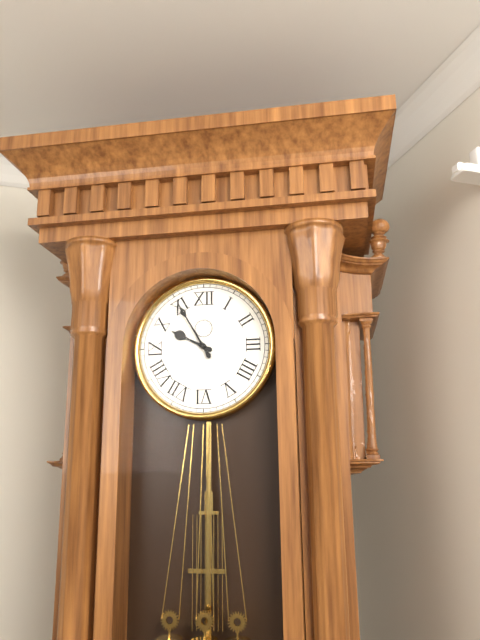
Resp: 9.55
